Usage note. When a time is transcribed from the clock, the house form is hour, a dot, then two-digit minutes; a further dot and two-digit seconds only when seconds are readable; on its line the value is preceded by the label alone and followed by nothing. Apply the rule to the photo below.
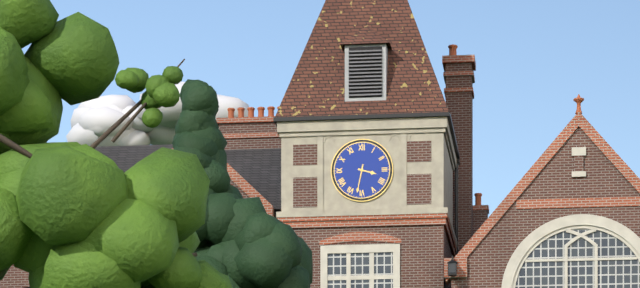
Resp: 3.32
